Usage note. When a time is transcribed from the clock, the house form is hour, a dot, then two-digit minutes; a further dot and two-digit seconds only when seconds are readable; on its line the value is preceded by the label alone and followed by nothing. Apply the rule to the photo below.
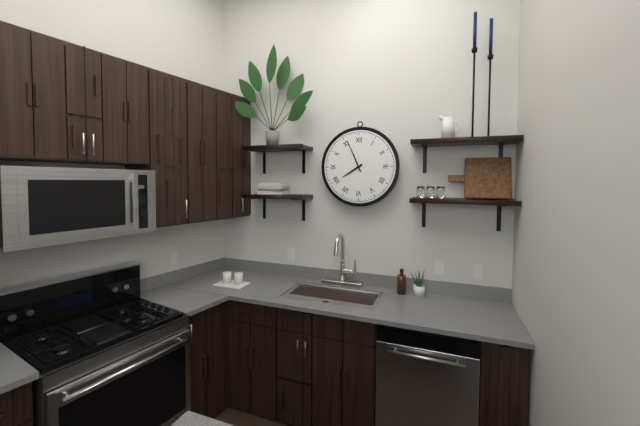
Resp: 7.56
